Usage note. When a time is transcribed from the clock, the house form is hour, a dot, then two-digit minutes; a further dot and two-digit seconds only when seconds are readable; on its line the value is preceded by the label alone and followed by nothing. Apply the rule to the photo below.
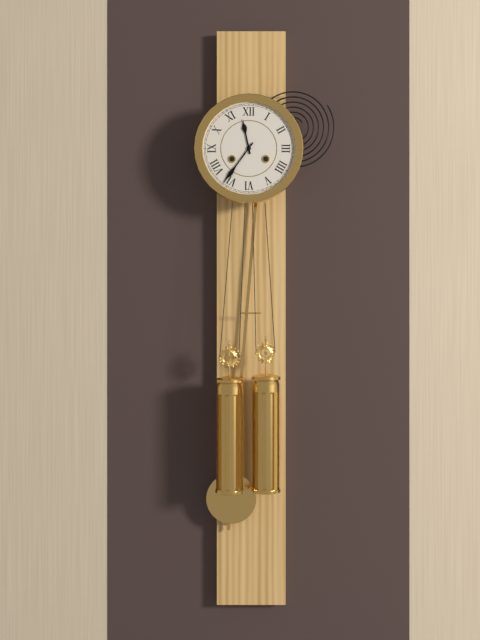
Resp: 11.36
